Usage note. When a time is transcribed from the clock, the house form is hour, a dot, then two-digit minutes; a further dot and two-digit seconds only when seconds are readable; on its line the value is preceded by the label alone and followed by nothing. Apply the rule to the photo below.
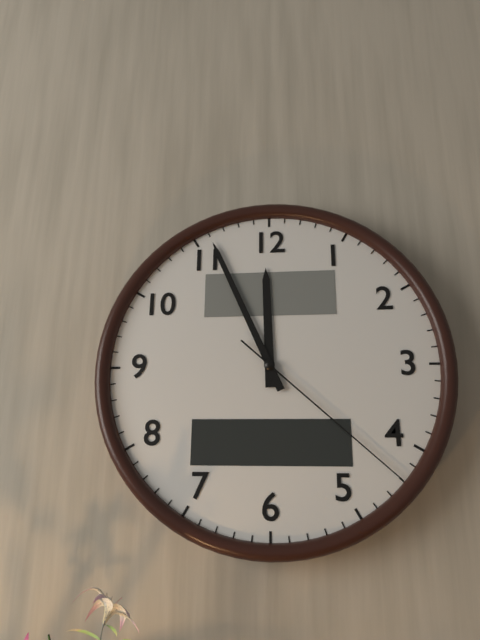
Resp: 11.56.22
